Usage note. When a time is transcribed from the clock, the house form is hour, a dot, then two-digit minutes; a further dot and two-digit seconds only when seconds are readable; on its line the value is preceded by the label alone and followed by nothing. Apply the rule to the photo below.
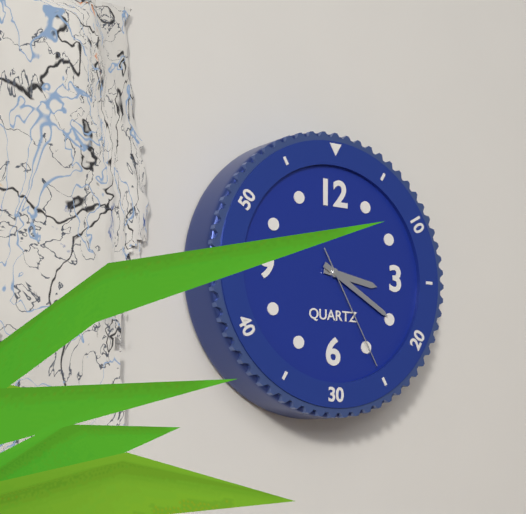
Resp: 3.20.25
